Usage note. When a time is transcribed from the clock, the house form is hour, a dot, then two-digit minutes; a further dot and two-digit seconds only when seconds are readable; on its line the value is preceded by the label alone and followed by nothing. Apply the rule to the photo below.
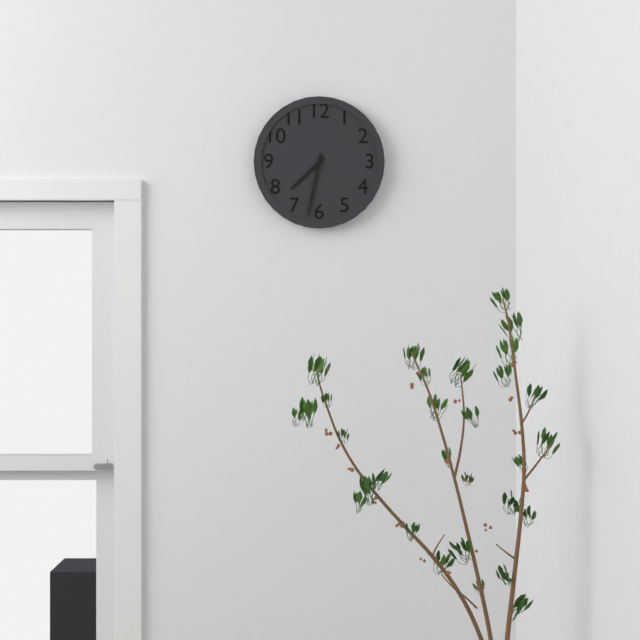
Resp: 7.32
